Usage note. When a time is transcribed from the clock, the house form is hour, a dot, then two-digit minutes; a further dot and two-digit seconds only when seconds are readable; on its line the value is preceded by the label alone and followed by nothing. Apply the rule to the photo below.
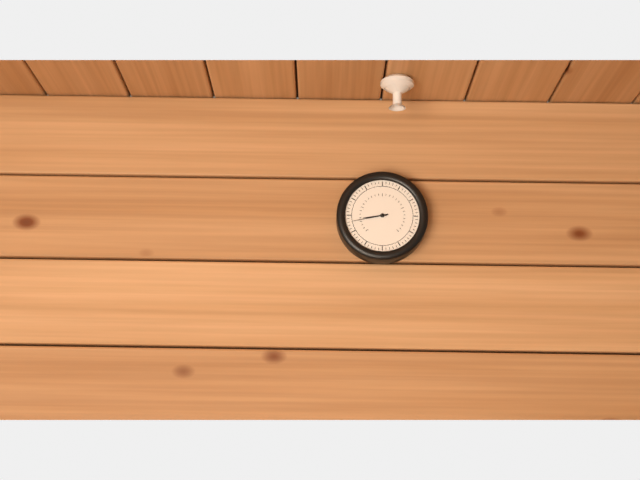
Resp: 8.43
